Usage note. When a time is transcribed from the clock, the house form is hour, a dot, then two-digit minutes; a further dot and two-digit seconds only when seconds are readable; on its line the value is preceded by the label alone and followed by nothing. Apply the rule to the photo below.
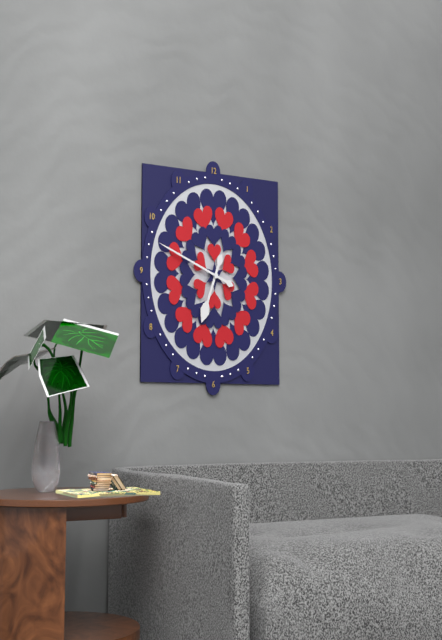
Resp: 6.48
